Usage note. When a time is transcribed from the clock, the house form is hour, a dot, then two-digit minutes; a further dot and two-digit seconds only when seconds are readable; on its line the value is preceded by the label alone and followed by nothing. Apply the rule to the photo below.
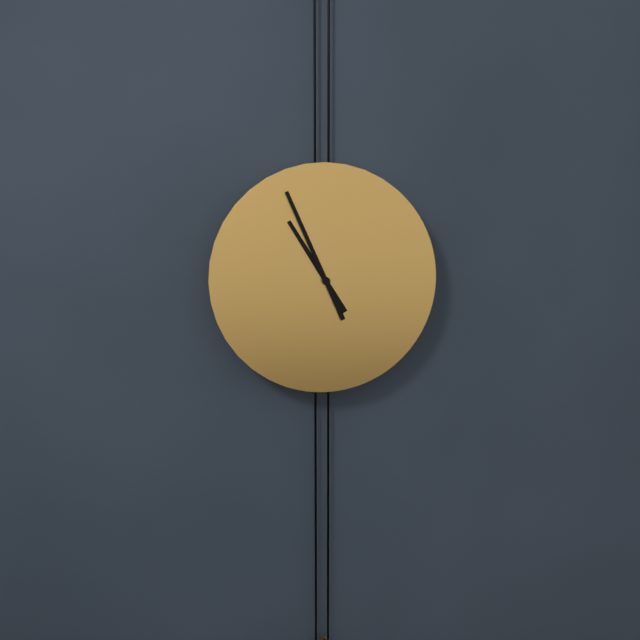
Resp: 10.56
